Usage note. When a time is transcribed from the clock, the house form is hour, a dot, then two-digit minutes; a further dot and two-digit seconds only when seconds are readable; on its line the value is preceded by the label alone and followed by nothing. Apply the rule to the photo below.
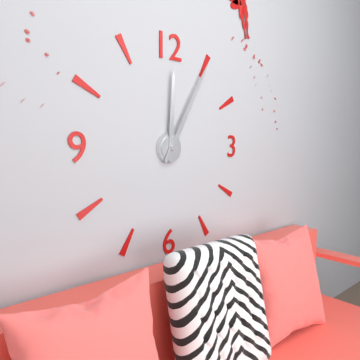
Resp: 12.05
